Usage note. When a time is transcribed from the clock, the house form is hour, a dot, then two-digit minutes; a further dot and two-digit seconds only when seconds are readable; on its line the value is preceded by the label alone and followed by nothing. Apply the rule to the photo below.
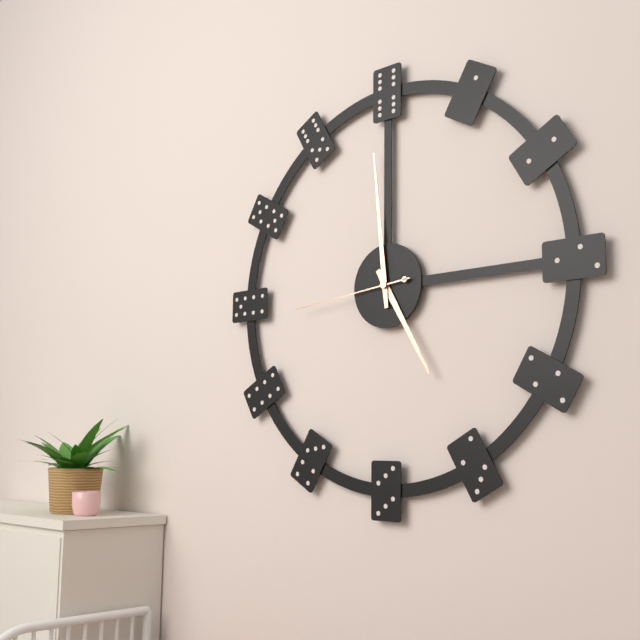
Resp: 4.59.44
